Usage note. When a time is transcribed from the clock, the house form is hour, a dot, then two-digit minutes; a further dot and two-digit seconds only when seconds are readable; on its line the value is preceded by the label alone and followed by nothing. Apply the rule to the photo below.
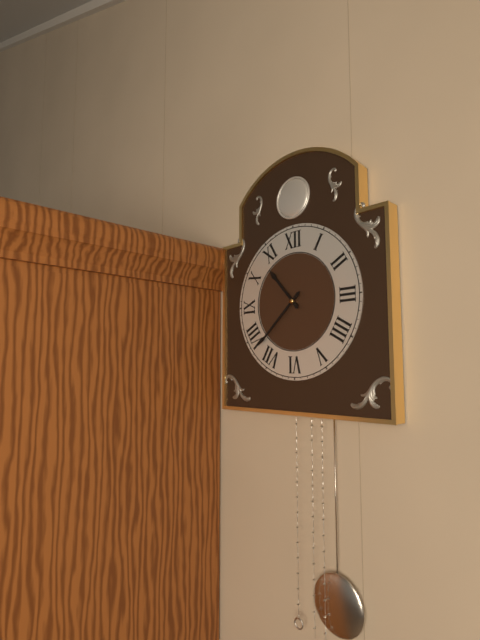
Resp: 10.38
